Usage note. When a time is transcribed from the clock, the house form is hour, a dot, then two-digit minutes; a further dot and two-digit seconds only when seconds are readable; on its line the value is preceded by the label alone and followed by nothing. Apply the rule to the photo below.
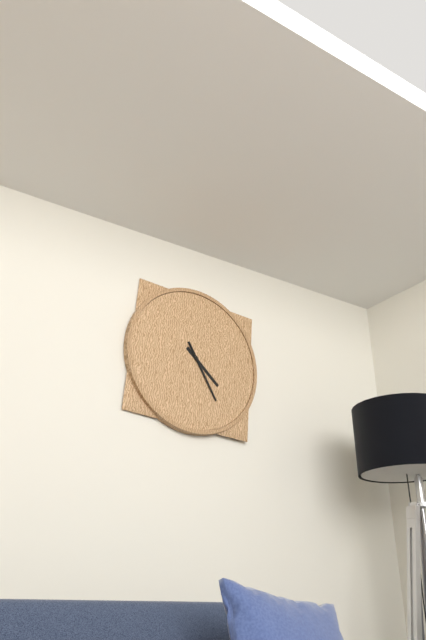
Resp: 4.25
